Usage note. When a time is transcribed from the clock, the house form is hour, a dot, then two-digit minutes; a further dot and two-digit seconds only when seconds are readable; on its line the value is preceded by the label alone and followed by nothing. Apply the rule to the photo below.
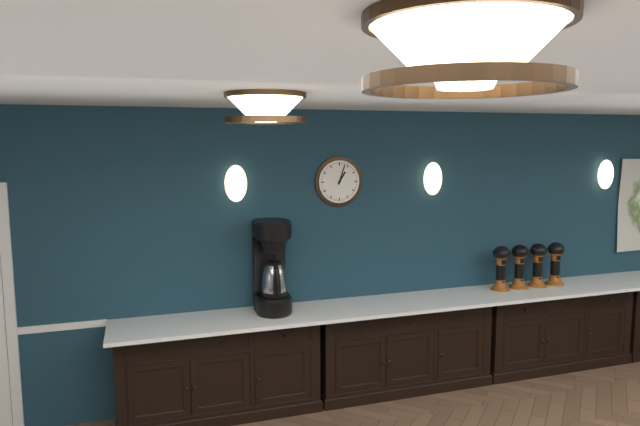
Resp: 1.03
